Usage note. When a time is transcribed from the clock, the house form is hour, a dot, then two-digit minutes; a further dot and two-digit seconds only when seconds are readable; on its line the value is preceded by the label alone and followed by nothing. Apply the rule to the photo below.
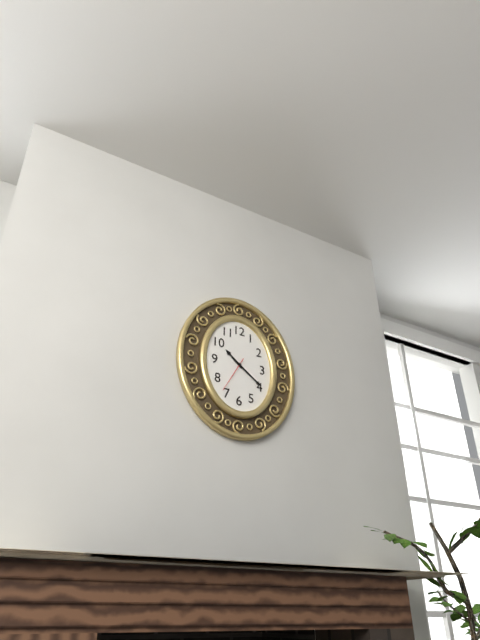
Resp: 10.21
